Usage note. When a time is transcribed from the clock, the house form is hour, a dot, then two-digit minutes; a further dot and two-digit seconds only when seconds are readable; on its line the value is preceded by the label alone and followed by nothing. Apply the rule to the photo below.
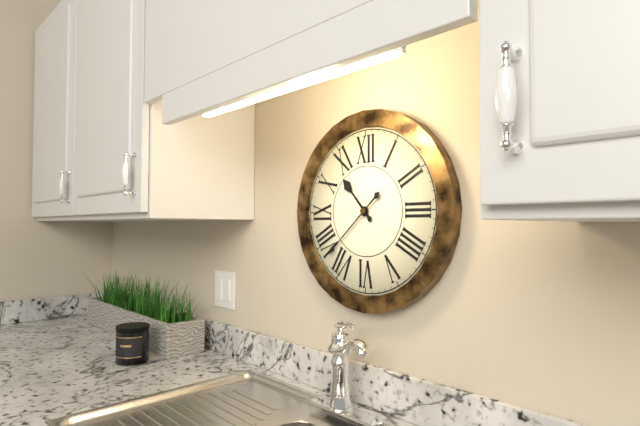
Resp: 10.38
